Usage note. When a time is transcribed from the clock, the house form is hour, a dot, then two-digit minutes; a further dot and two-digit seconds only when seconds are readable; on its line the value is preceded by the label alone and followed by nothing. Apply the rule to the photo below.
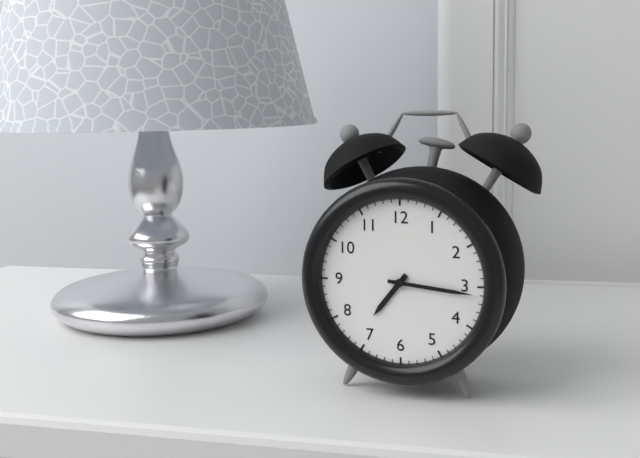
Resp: 7.16
